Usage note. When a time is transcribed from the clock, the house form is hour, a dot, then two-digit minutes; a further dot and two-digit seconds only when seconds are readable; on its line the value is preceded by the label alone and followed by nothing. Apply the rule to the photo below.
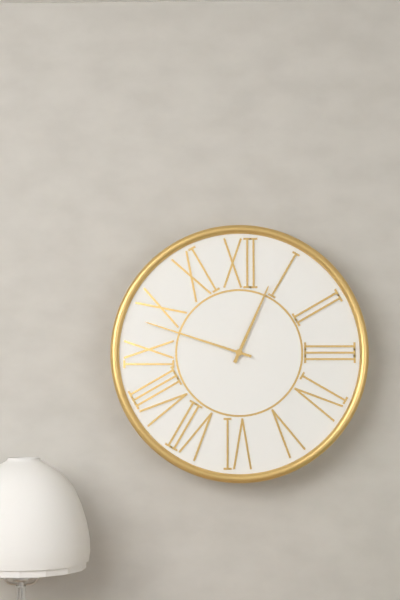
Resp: 12.48
